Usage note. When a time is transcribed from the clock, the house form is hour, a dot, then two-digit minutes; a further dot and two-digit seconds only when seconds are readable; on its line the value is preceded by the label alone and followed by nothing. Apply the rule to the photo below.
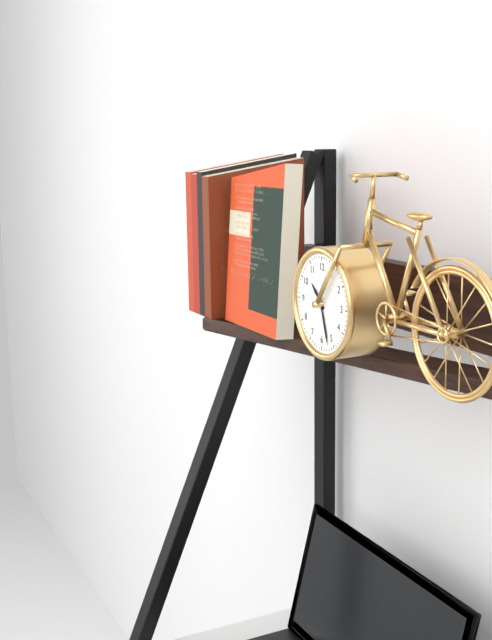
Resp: 10.27
